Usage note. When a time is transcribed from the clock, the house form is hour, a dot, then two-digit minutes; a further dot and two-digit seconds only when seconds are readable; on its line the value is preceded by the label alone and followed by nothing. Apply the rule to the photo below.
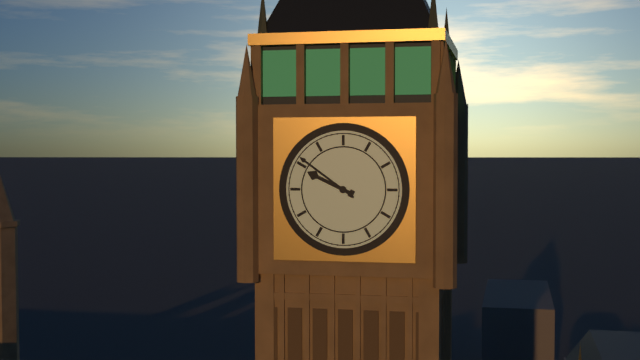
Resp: 9.51
